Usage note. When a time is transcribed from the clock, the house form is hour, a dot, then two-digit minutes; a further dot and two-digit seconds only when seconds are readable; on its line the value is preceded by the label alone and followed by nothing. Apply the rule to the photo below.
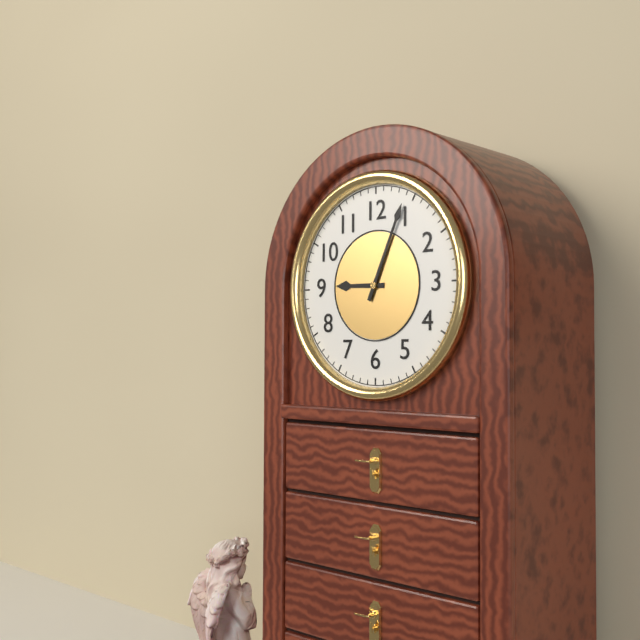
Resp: 9.04
